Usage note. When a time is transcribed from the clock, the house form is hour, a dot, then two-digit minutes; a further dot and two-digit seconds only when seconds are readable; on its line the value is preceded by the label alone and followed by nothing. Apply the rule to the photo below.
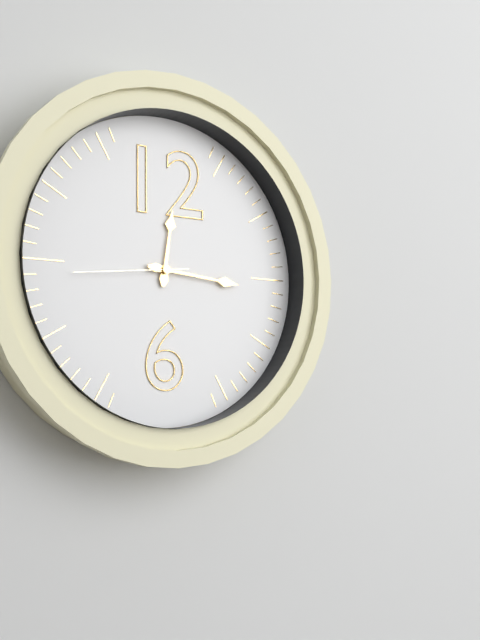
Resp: 12.16.44
